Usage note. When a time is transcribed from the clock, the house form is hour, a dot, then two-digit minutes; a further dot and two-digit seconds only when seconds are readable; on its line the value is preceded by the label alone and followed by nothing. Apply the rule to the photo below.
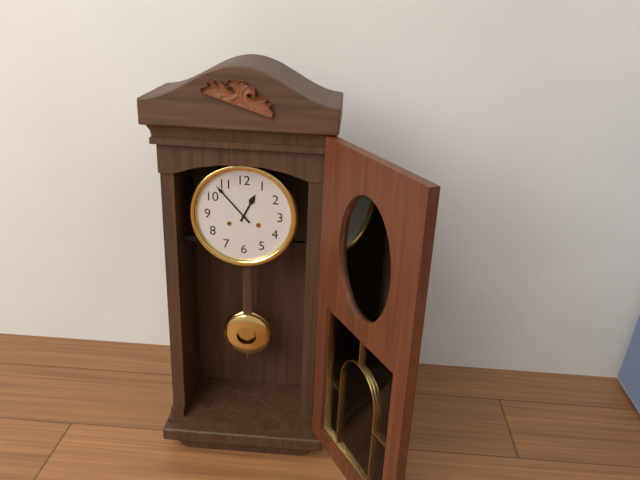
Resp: 12.53
